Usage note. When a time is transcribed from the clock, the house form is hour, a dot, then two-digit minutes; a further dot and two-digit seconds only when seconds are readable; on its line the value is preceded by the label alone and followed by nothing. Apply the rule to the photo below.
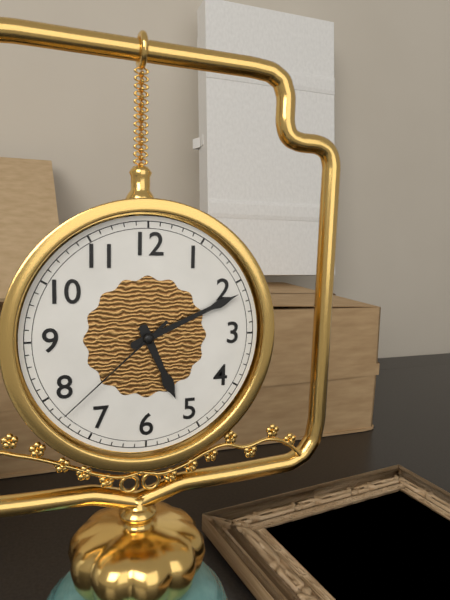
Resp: 5.11.38
